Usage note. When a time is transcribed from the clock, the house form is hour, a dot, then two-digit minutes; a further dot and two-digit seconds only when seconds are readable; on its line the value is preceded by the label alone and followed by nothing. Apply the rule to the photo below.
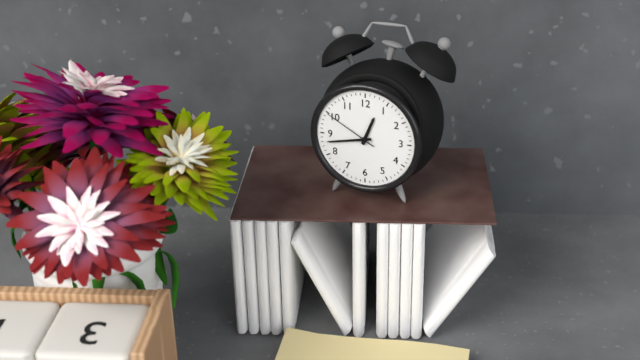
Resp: 12.43.50
